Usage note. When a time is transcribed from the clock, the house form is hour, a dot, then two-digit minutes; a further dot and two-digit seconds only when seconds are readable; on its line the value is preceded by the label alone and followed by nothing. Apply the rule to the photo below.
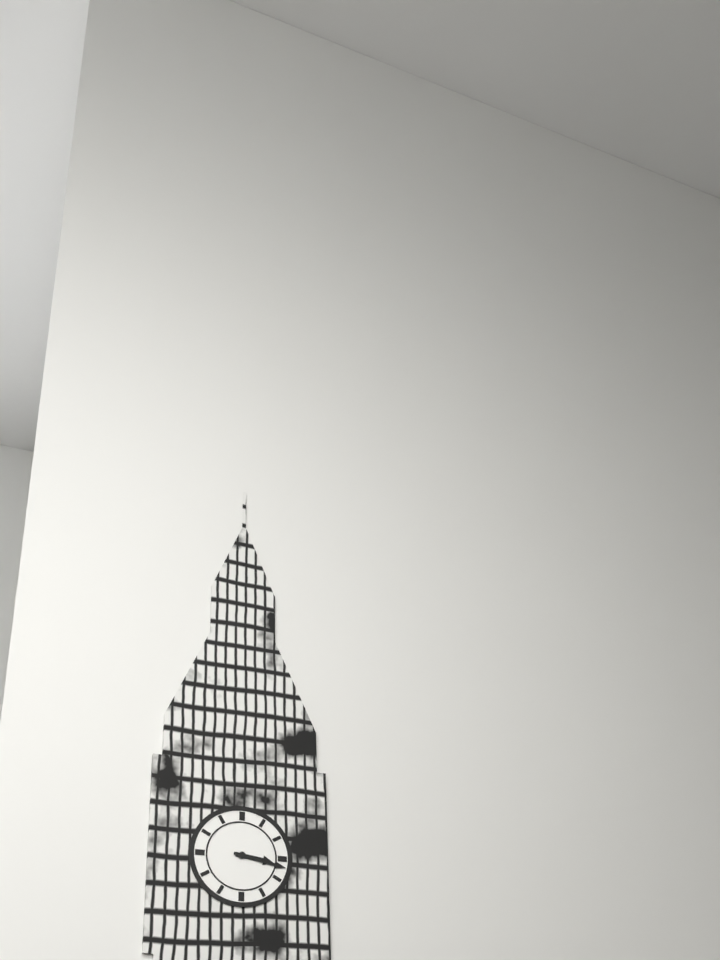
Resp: 3.17
